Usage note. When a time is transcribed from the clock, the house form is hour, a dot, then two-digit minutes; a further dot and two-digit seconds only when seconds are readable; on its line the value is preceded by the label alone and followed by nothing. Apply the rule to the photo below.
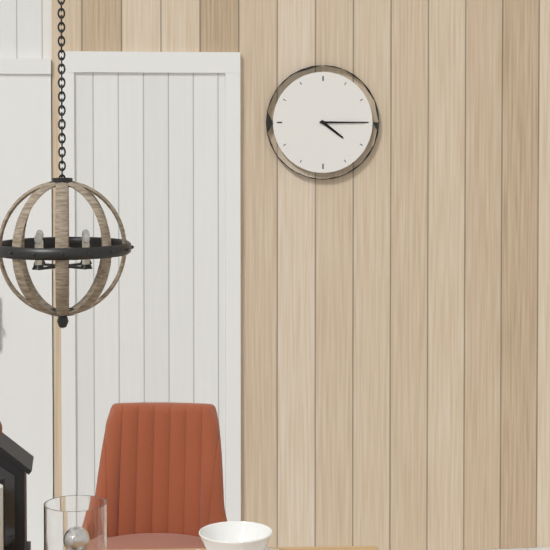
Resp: 4.15
